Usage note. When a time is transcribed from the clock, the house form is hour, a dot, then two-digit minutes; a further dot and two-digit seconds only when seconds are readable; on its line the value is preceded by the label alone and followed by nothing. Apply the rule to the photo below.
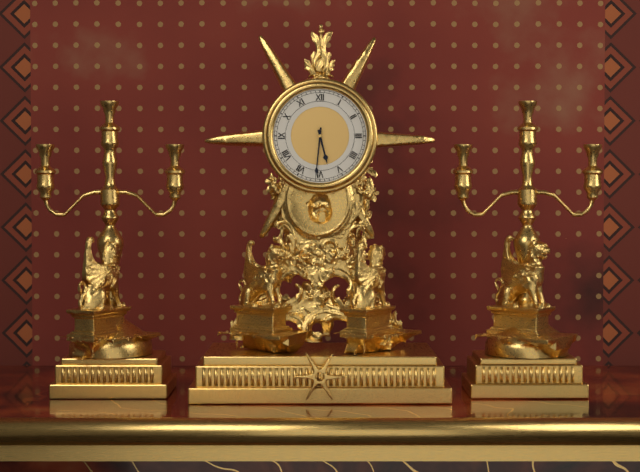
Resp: 5.31
